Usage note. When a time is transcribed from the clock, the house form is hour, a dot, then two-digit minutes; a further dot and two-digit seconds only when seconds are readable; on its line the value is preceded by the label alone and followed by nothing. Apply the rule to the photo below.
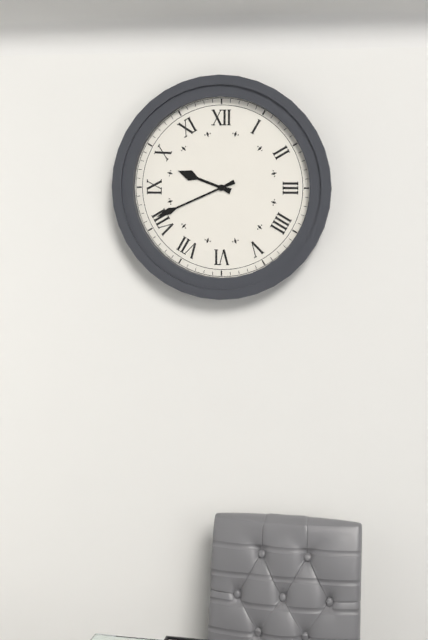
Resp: 9.41
